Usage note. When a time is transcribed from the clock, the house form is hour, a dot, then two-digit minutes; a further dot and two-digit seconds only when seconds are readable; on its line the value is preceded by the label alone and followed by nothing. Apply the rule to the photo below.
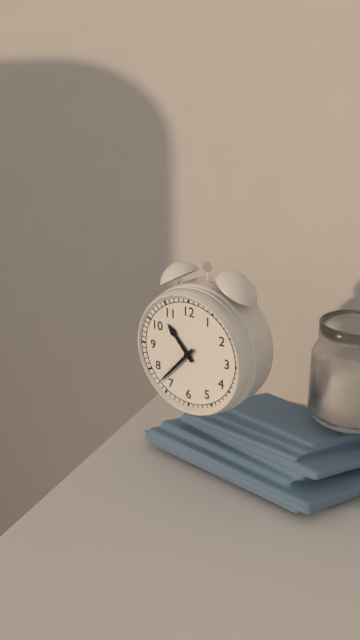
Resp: 10.37
